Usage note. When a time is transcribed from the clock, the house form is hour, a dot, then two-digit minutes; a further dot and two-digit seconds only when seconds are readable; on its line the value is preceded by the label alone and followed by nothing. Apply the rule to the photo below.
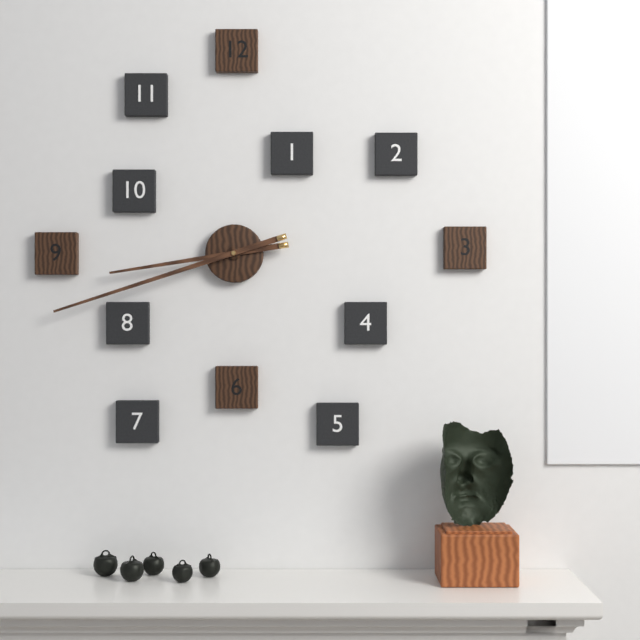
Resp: 8.42
